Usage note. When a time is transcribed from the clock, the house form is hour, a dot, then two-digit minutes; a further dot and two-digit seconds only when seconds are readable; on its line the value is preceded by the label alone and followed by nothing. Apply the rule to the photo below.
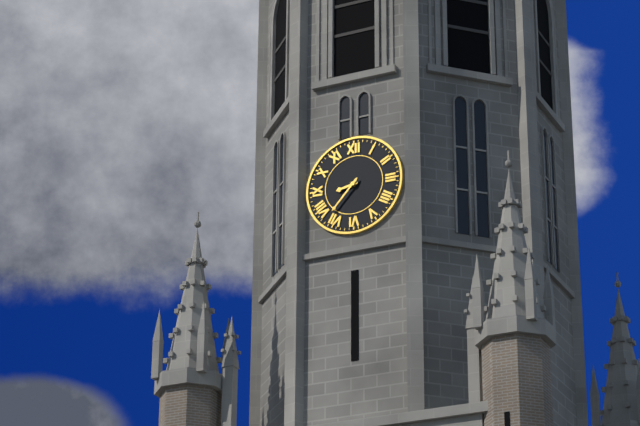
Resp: 8.37
